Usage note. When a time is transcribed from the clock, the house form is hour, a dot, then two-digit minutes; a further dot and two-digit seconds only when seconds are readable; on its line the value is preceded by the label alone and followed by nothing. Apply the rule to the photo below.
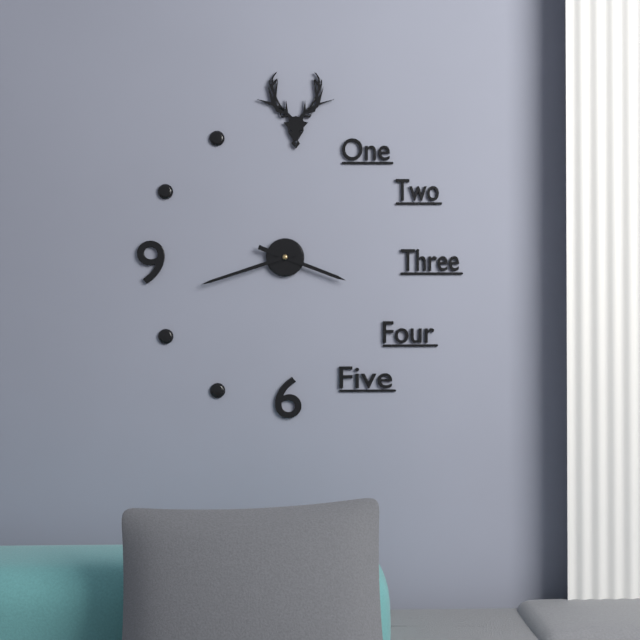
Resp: 3.42
